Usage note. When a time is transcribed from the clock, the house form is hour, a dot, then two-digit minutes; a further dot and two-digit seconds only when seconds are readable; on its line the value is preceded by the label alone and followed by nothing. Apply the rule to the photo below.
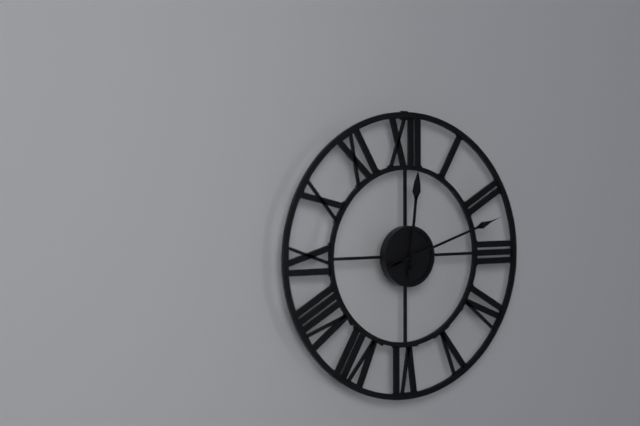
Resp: 12.12
